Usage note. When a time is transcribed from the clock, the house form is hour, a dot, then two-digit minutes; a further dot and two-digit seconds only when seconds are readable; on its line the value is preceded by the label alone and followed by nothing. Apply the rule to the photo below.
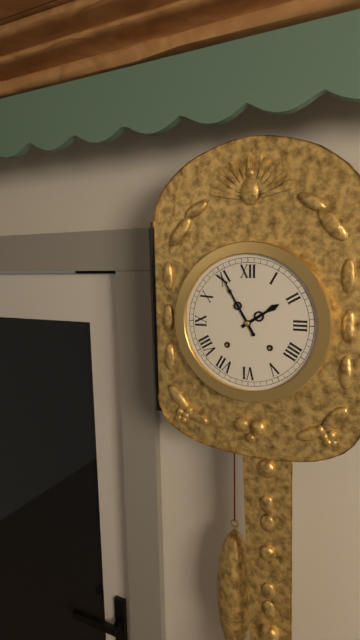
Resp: 1.55
